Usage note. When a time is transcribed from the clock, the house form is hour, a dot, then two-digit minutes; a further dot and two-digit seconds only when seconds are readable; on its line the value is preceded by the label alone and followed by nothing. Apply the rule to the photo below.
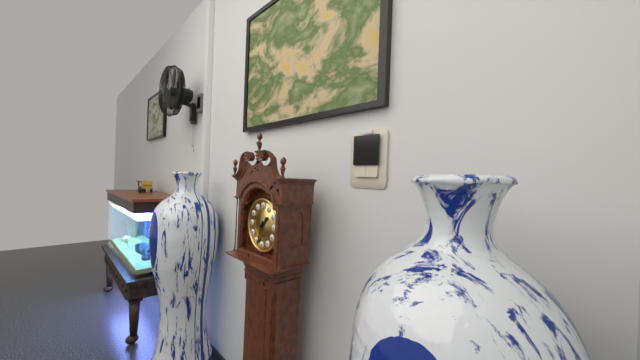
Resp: 1.33
